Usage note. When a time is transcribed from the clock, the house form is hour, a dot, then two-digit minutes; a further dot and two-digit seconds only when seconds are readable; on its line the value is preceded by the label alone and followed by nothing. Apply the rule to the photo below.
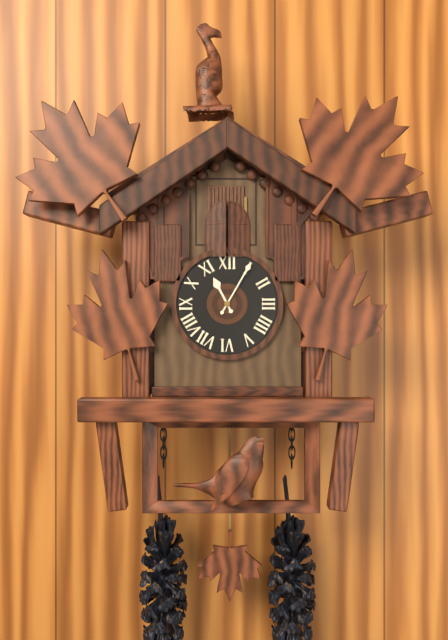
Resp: 11.05
